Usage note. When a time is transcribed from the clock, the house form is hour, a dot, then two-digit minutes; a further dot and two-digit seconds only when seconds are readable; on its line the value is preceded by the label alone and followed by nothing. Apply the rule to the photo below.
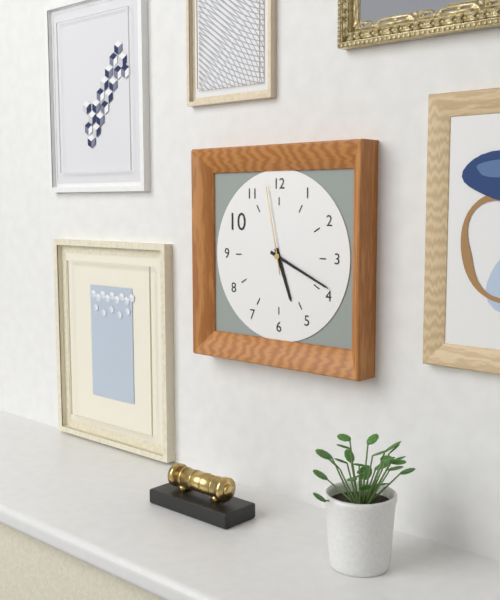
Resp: 5.19.58
